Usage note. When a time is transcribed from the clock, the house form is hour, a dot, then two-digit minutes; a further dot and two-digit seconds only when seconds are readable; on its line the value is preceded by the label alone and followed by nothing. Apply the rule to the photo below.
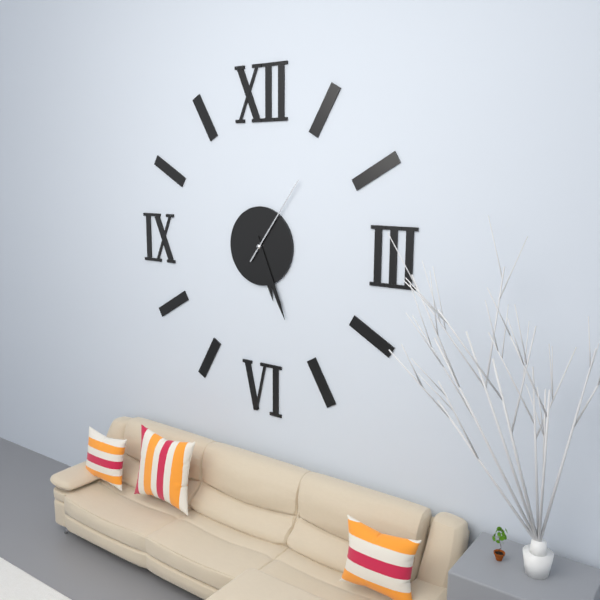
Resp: 5.26.06
